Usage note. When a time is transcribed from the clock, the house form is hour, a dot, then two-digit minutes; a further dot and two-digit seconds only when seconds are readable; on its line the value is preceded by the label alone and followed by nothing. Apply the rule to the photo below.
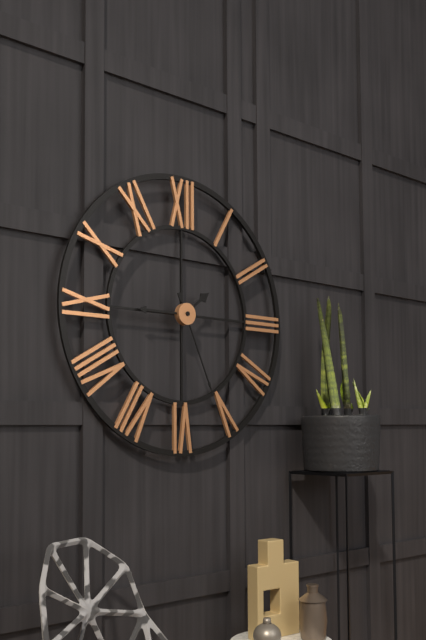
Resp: 1.45.26
